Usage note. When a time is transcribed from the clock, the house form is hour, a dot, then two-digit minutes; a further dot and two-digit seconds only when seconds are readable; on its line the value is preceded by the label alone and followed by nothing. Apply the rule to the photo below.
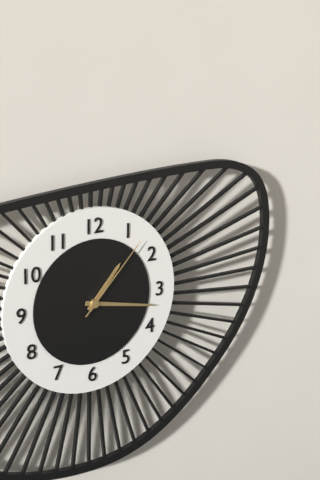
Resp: 1.17.07
